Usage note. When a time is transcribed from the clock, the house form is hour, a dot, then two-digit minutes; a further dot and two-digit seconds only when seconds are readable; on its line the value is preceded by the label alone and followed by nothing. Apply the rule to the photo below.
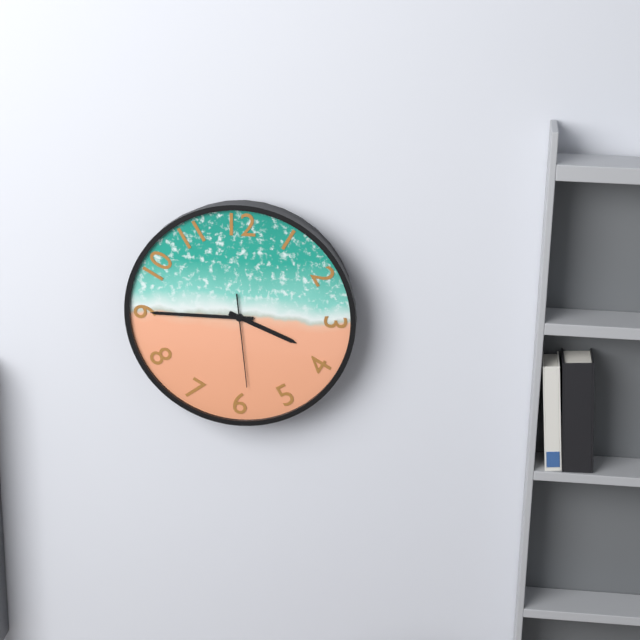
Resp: 3.45.29
